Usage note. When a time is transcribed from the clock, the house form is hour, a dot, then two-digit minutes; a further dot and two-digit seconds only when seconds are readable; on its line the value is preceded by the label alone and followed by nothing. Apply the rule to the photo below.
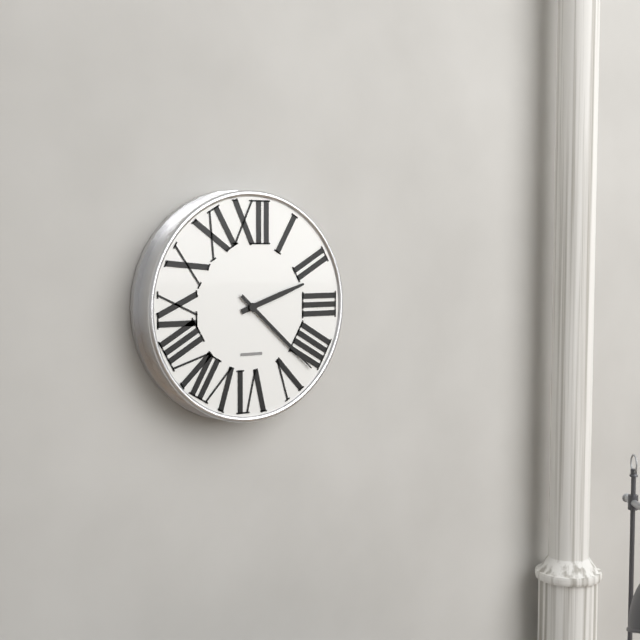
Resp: 2.22
